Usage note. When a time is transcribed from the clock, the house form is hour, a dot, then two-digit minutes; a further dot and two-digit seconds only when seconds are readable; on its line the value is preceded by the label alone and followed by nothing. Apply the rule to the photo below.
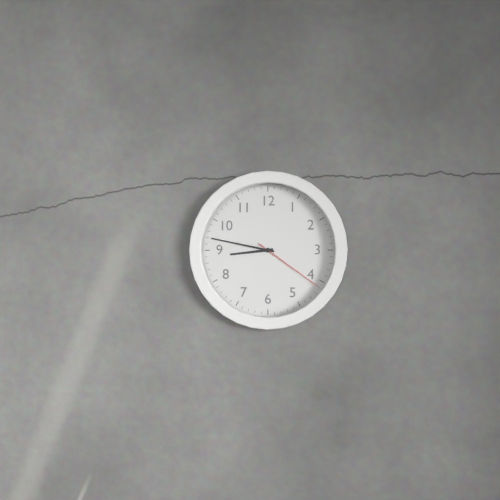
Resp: 8.47.21
